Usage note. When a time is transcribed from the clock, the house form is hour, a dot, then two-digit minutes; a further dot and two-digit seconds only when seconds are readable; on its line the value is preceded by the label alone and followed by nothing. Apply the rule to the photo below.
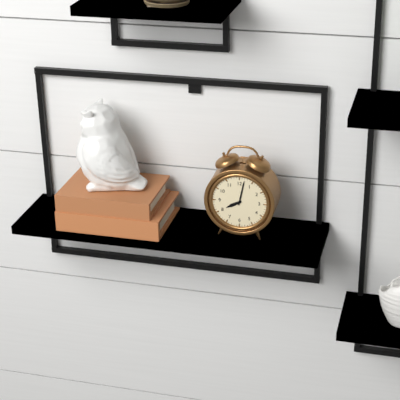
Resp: 8.02
